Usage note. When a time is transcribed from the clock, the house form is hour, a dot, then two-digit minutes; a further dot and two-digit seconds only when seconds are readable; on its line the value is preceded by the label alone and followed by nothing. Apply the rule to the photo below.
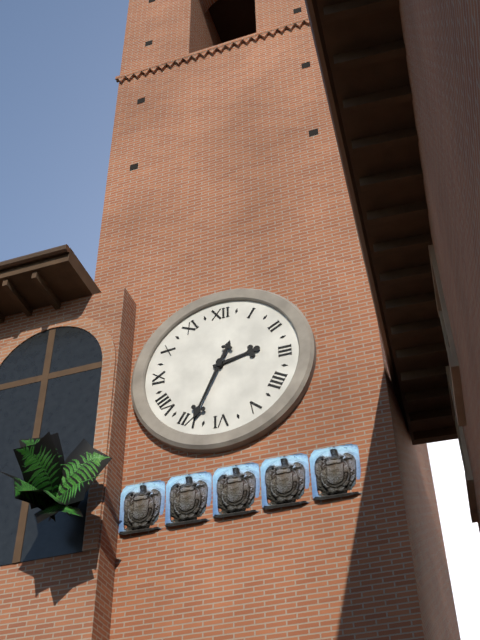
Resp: 2.34
